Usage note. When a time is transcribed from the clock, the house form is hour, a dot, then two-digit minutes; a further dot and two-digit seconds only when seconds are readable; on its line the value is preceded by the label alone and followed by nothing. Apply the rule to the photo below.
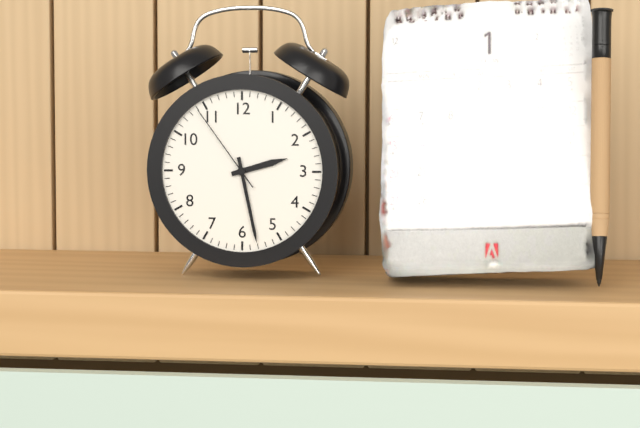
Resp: 2.28.54
